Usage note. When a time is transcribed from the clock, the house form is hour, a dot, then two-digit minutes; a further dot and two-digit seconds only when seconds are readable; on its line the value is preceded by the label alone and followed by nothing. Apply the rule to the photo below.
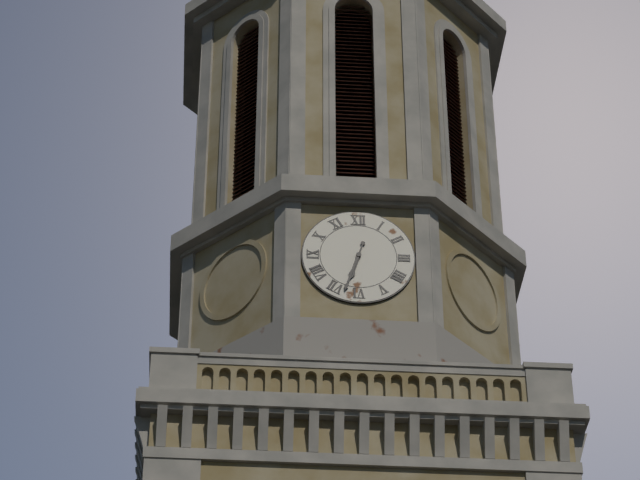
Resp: 6.33
